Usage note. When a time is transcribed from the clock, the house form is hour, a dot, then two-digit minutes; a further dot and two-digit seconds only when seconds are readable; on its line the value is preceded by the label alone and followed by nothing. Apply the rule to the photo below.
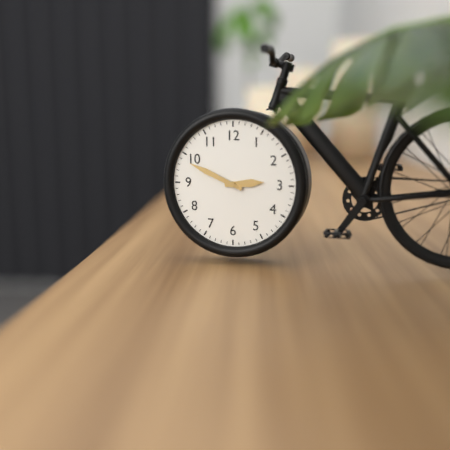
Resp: 2.49
